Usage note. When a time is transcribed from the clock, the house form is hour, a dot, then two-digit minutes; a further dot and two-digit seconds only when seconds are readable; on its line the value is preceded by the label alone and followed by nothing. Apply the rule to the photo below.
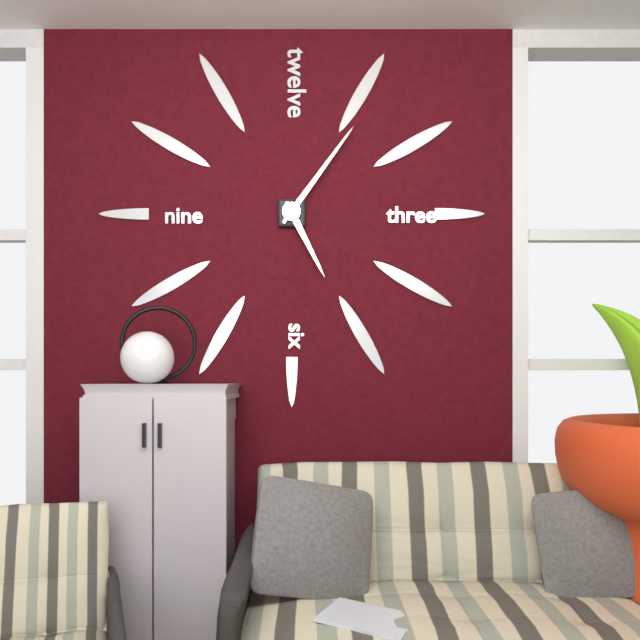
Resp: 5.06
